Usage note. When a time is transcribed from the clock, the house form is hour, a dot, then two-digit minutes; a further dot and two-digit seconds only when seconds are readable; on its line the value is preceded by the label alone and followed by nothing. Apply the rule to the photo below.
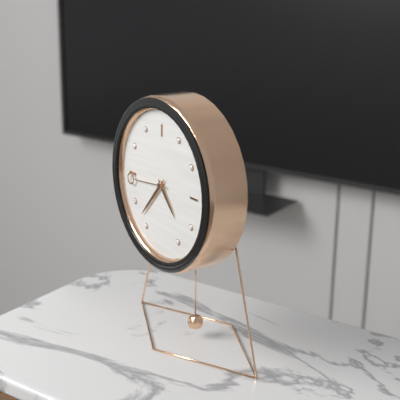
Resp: 4.37
